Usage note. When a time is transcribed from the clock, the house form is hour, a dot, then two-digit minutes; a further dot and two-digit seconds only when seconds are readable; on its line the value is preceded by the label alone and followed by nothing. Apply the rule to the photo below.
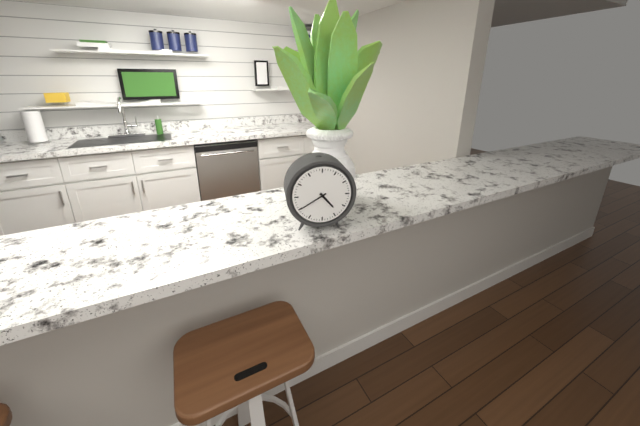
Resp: 4.40
